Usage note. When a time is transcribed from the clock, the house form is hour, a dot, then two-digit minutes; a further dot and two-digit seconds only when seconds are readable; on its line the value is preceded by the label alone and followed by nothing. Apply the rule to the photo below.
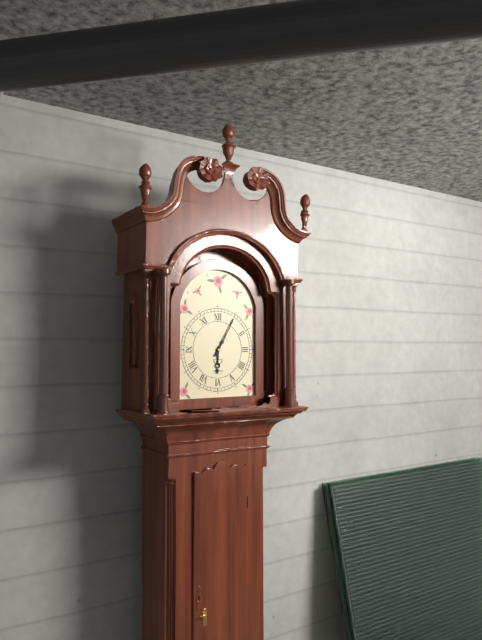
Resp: 6.05
